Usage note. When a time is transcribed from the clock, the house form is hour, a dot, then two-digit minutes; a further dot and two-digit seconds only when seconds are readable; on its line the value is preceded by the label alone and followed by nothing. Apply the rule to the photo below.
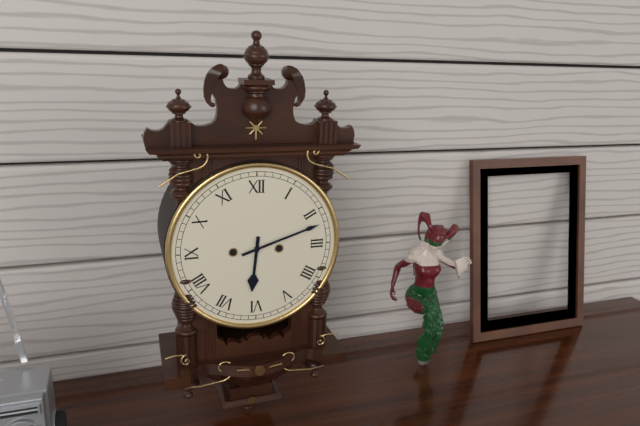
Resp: 6.12
